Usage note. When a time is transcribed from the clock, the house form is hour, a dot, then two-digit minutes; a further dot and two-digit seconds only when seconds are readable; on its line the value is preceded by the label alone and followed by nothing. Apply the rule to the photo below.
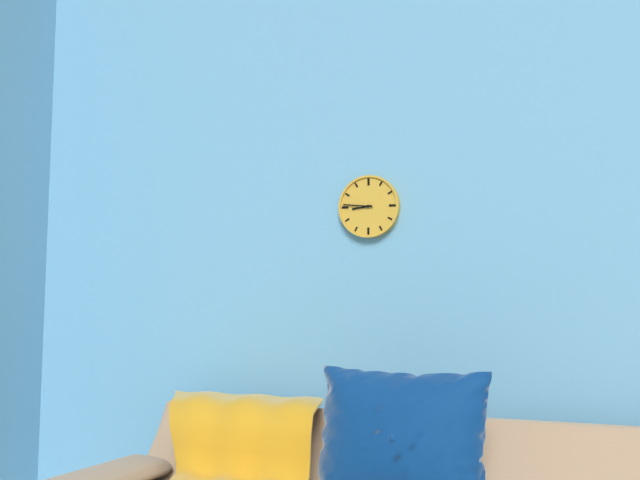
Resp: 8.46
